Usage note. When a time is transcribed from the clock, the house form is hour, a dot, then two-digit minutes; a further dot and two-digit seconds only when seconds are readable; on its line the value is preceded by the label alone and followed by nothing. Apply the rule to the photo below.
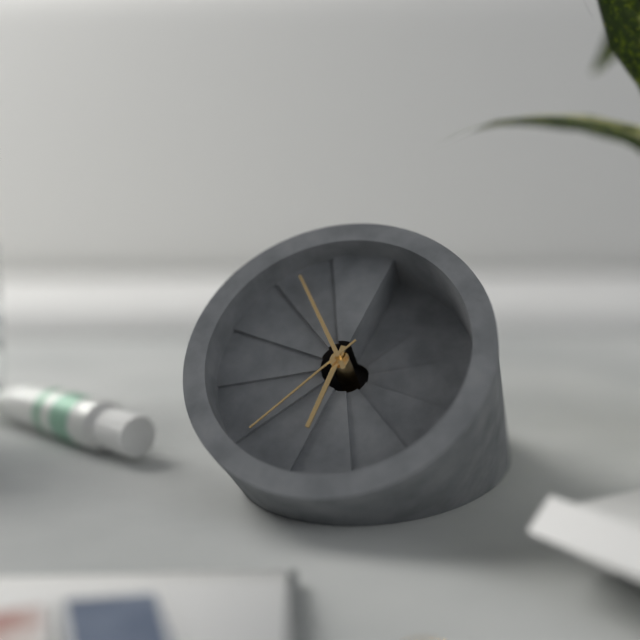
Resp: 5.52.34
